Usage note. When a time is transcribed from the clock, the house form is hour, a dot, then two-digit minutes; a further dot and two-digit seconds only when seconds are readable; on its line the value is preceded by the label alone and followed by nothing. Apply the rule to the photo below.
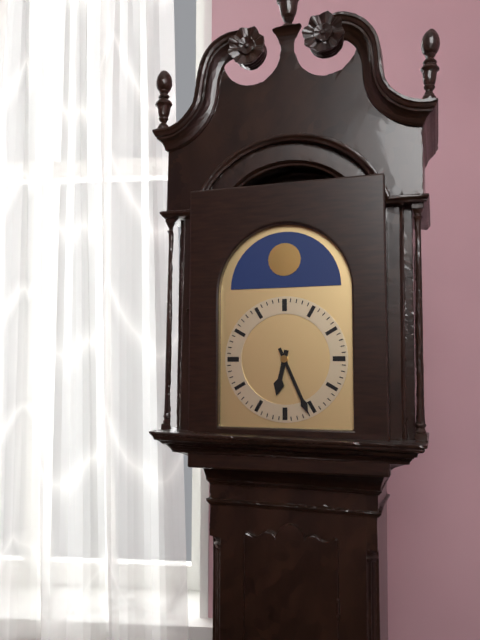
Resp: 6.26
